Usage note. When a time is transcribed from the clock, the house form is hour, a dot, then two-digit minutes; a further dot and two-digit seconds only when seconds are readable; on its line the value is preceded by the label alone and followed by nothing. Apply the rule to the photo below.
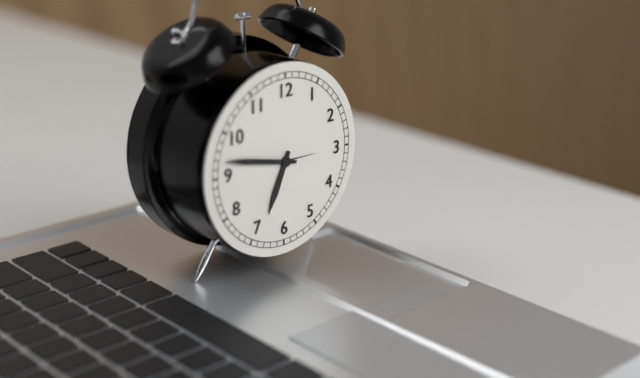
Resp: 6.47
